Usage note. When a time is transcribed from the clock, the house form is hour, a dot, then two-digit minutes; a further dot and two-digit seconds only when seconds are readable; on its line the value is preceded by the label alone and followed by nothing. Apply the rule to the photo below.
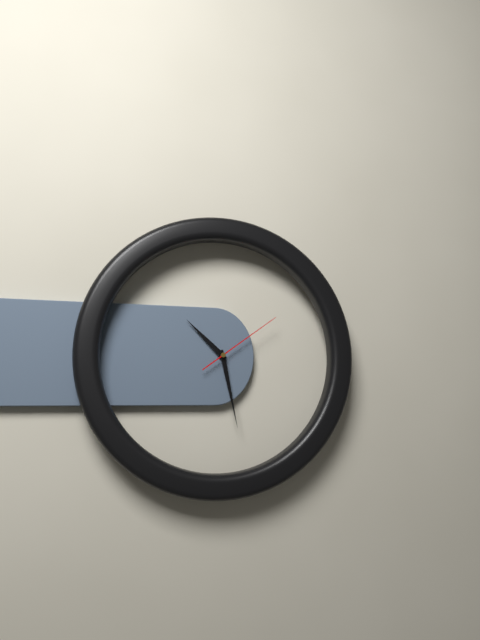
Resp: 10.28.09
